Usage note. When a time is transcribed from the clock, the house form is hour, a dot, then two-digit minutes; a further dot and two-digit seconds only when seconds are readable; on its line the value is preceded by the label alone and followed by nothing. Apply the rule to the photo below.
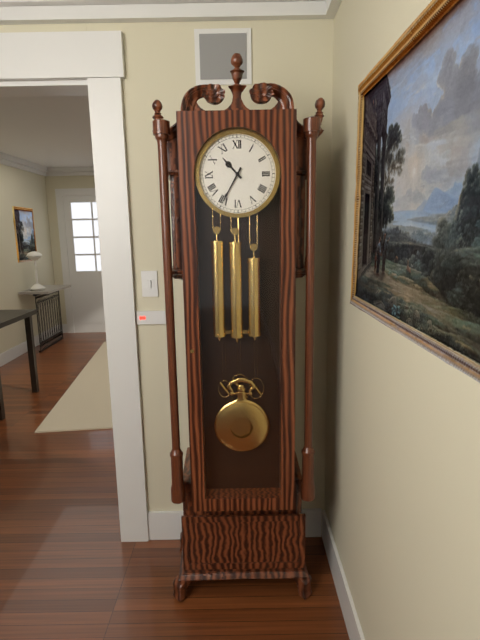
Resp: 10.35
